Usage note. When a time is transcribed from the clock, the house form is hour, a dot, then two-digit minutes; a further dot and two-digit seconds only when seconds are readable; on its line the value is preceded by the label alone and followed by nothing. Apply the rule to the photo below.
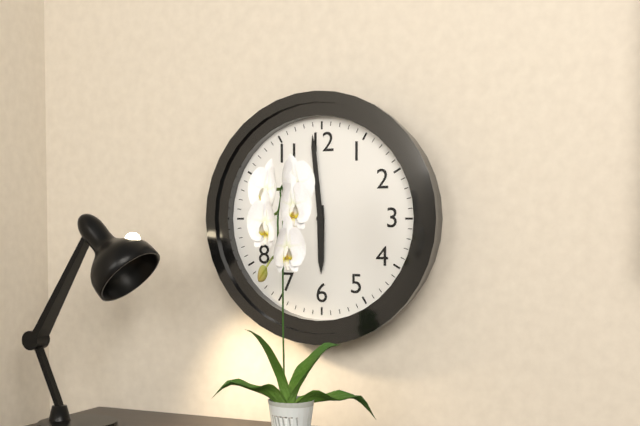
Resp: 5.59
